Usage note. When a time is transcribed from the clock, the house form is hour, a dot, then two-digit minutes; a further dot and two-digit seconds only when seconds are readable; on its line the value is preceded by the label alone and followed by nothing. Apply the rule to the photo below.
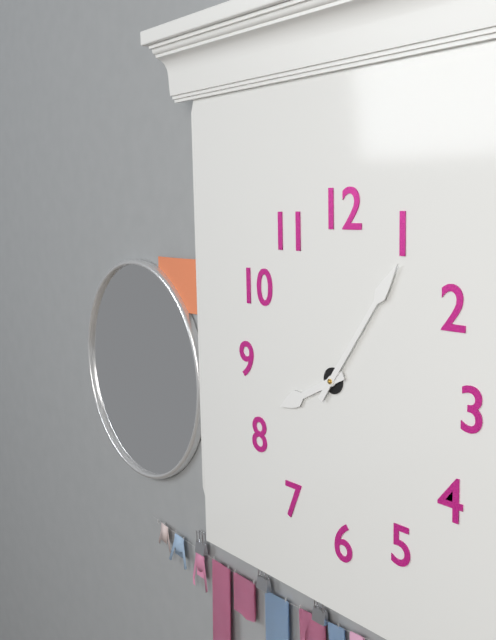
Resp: 8.06
